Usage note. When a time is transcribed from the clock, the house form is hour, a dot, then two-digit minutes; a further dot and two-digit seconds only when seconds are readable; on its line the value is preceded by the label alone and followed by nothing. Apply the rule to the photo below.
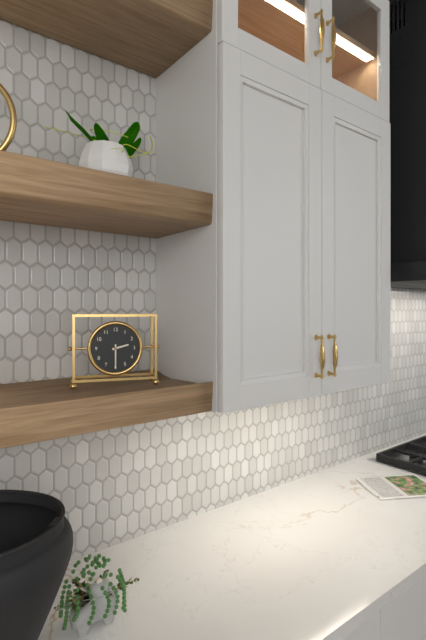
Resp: 2.30
